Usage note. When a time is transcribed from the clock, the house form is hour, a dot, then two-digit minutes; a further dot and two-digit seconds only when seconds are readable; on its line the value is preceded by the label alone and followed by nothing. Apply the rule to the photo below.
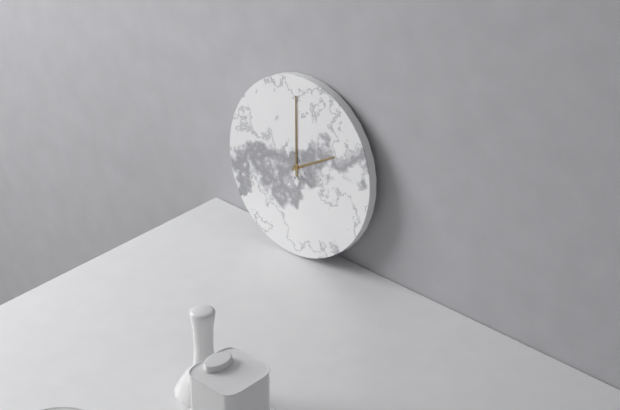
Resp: 1.59
